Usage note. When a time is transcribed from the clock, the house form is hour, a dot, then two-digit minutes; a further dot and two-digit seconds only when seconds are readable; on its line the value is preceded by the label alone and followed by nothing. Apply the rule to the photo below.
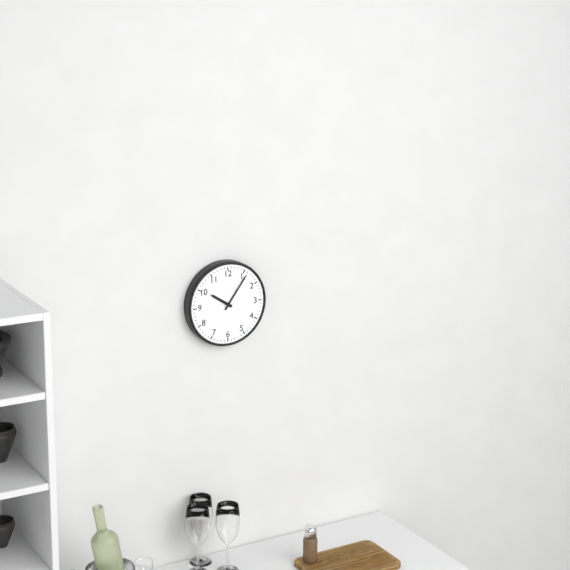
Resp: 10.06
